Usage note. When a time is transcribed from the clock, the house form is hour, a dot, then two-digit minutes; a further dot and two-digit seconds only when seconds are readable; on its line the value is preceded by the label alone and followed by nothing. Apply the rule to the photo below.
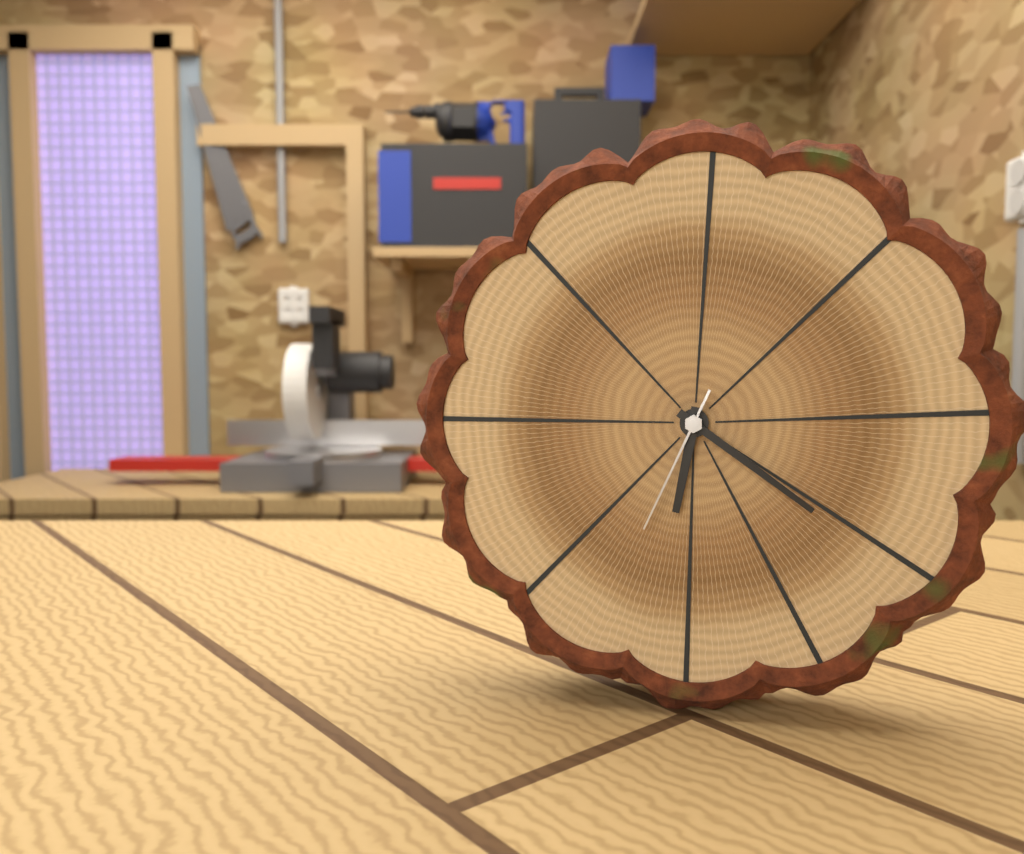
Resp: 6.21.34
